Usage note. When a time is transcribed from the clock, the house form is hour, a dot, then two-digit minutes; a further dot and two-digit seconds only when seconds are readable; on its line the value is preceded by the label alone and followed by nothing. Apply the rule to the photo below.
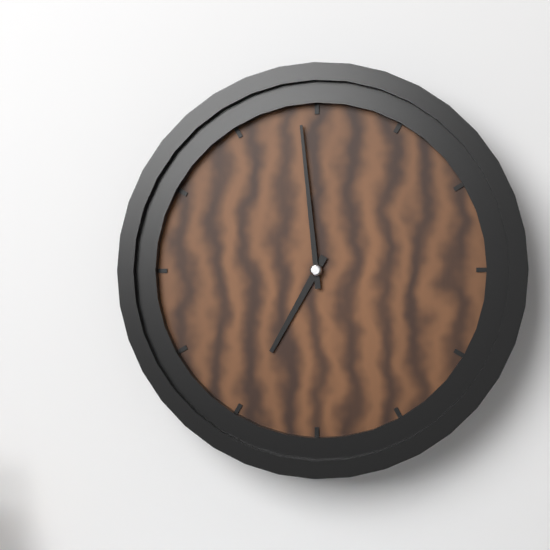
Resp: 6.59
